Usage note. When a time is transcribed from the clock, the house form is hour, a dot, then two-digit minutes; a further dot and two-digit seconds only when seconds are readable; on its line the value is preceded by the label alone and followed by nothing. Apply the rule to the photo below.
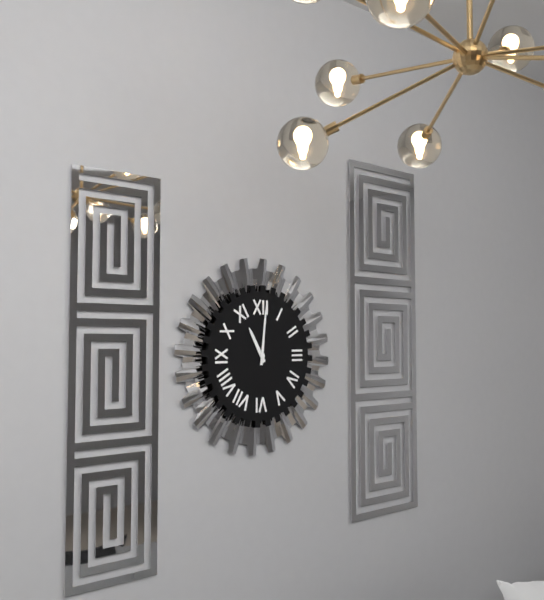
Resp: 11.01
